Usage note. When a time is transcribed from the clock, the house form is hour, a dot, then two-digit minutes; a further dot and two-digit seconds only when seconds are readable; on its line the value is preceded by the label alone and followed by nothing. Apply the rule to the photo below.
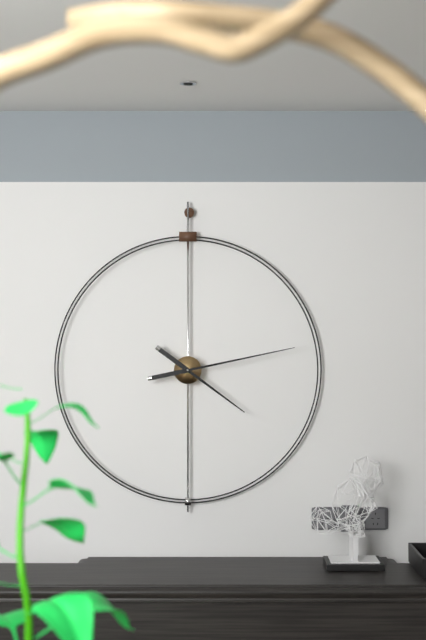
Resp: 4.13
